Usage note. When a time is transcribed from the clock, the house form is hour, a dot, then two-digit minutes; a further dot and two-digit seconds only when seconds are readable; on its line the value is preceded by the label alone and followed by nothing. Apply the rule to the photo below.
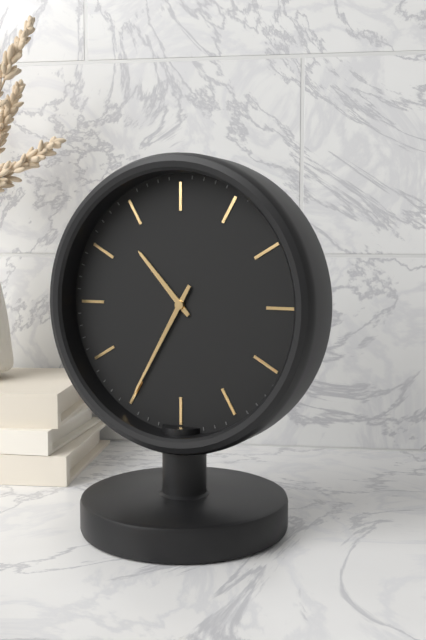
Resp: 10.35
